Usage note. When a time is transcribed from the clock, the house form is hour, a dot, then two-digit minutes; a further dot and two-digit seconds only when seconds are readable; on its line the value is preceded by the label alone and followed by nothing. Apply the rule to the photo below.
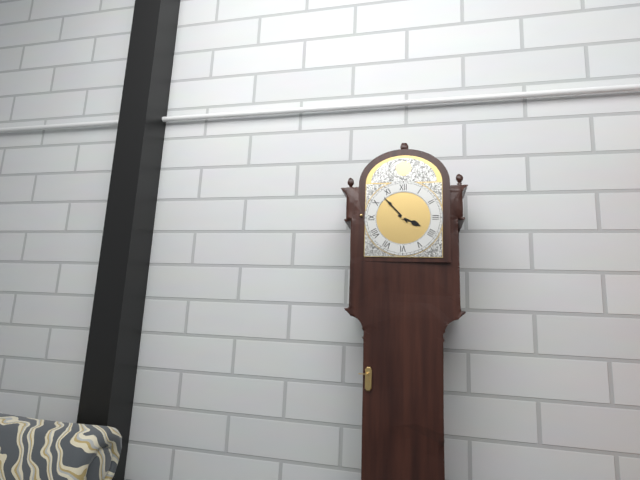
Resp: 3.53
